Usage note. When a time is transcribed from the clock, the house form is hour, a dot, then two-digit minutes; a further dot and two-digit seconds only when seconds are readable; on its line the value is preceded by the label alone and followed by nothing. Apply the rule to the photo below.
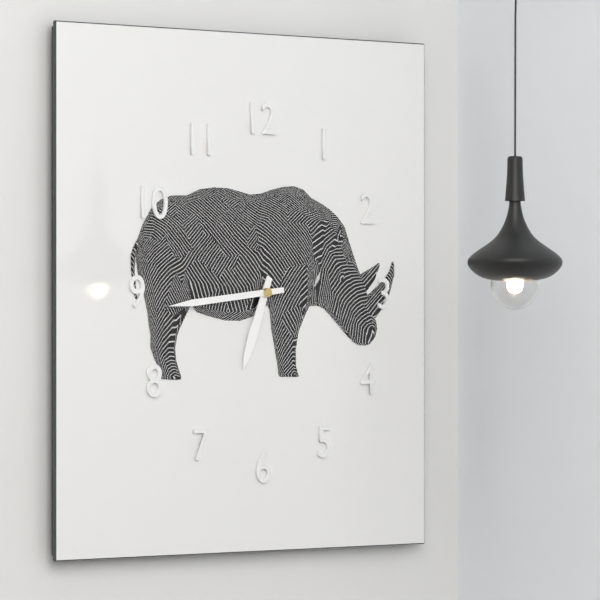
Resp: 6.44
